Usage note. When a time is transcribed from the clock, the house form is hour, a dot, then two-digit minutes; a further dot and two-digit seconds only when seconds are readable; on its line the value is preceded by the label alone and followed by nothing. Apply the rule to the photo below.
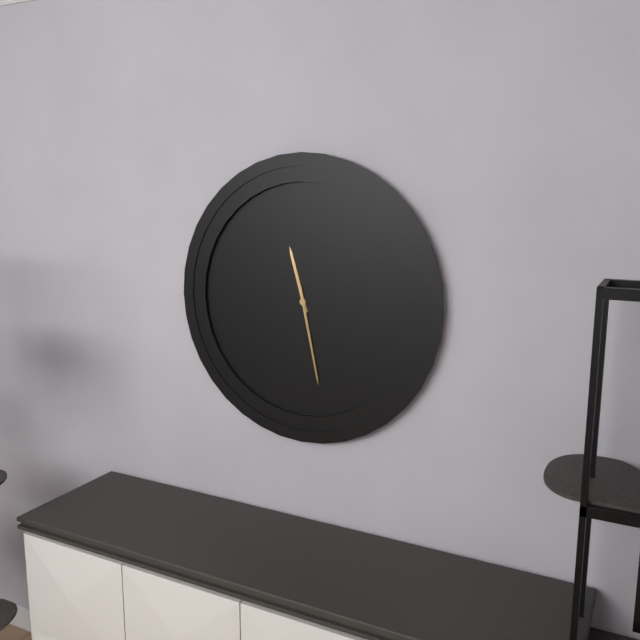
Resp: 11.28
